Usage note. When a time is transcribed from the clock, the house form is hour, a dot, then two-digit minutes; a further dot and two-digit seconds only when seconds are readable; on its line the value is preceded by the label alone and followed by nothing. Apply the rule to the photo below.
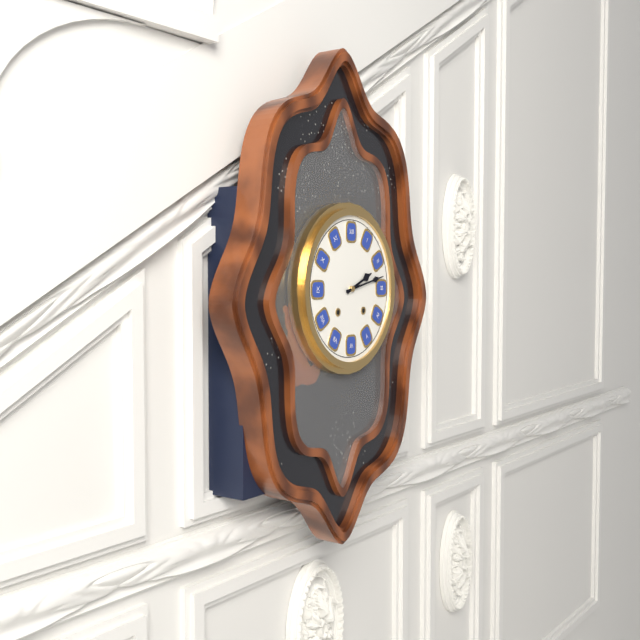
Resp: 2.13
